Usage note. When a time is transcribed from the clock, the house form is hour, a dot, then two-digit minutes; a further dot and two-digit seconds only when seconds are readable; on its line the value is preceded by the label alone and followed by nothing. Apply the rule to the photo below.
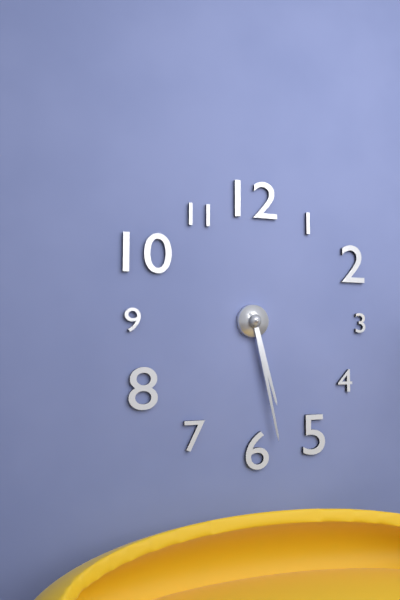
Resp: 5.28
